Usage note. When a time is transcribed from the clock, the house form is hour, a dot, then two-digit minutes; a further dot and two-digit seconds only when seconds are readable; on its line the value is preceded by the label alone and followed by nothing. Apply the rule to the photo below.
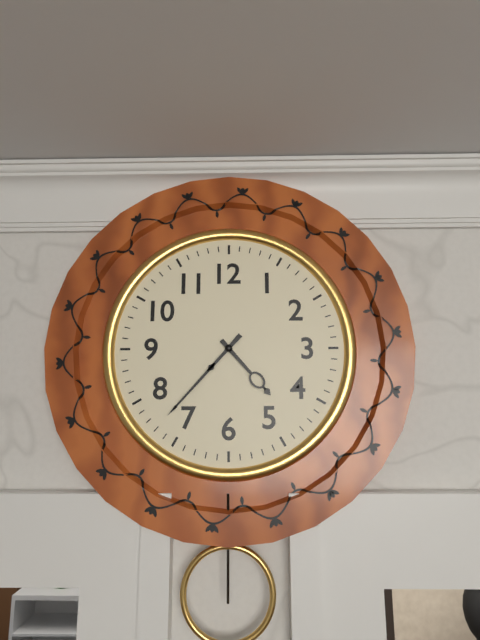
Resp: 4.37
